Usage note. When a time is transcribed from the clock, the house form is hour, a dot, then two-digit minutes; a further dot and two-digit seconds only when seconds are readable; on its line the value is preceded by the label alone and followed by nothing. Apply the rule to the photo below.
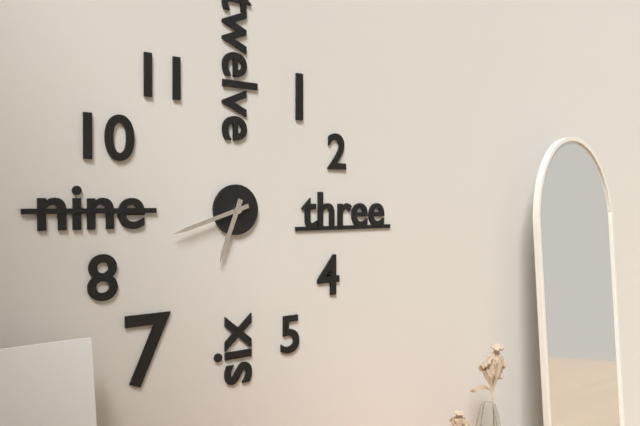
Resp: 6.42
